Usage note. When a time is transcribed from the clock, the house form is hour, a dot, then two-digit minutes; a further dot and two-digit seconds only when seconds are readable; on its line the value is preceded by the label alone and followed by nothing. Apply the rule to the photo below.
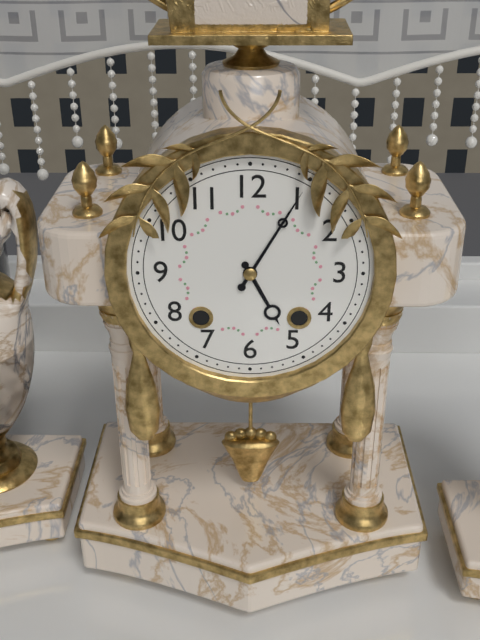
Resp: 5.05
